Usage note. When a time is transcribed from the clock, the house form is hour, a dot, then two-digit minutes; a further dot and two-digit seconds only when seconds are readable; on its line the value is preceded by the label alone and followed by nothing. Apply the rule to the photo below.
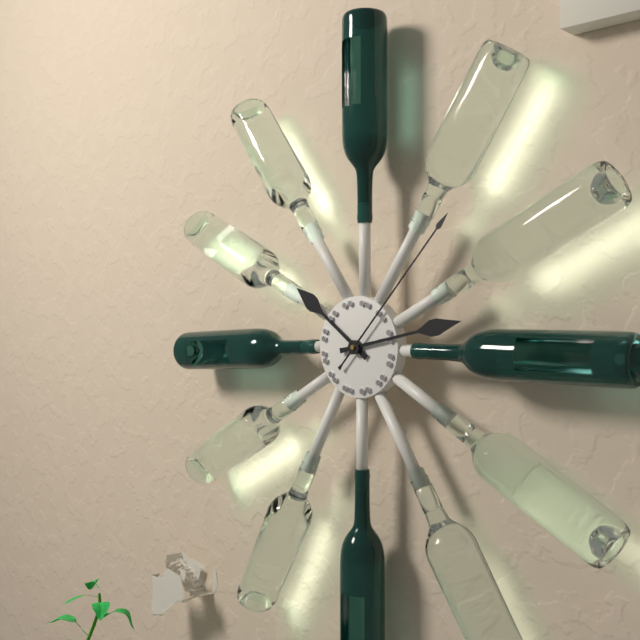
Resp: 10.13.07
